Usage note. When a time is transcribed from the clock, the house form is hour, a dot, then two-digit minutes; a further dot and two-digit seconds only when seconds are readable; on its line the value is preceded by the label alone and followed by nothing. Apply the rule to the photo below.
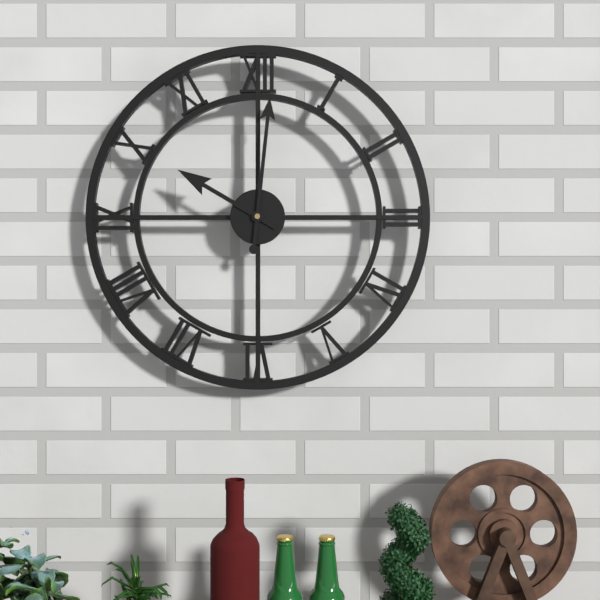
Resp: 10.01
